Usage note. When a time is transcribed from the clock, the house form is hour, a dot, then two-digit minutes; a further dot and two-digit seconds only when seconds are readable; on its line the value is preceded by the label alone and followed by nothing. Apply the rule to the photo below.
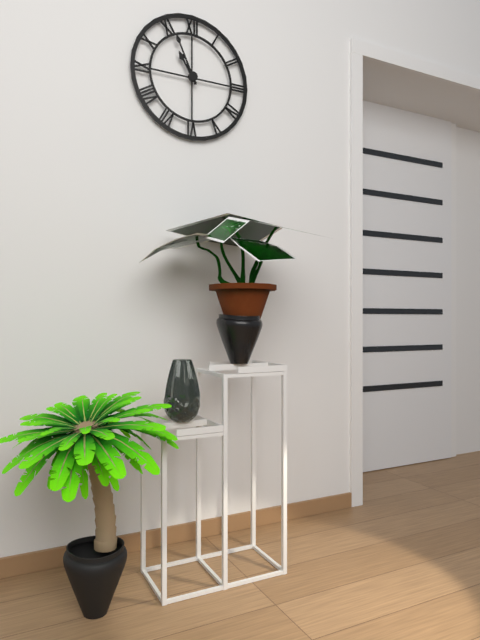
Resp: 10.56
